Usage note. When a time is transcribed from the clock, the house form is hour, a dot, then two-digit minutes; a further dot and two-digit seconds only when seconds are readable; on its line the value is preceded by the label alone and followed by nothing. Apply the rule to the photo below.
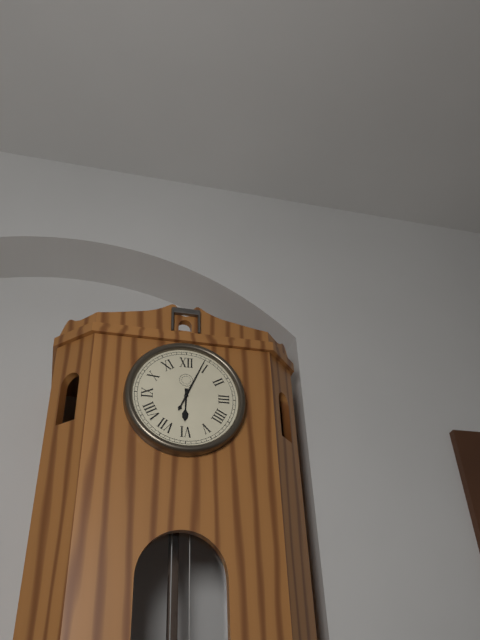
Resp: 6.04
